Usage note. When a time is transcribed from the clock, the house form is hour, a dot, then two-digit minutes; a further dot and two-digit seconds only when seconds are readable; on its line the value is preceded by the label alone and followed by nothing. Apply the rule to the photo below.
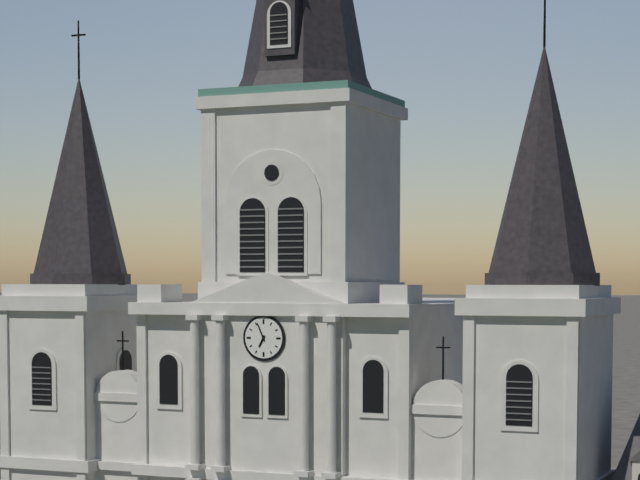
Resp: 6.56
